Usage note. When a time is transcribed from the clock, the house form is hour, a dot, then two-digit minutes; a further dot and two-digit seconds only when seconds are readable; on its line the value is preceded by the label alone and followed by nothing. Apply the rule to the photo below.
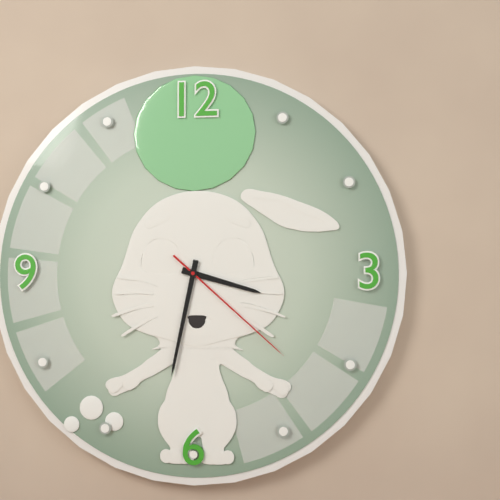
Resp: 3.32.22
